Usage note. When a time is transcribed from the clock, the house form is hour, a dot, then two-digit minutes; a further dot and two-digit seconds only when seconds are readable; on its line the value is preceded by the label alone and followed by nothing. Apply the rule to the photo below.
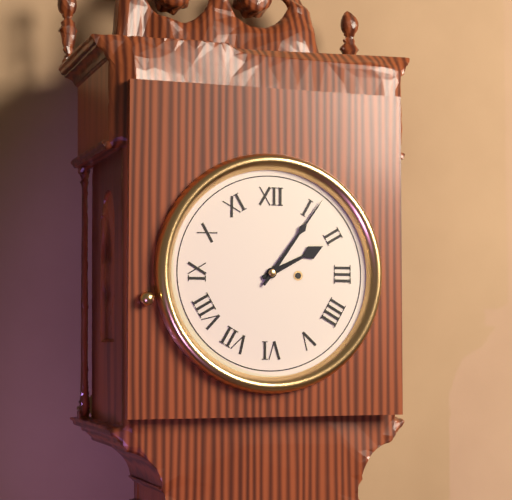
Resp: 2.06
